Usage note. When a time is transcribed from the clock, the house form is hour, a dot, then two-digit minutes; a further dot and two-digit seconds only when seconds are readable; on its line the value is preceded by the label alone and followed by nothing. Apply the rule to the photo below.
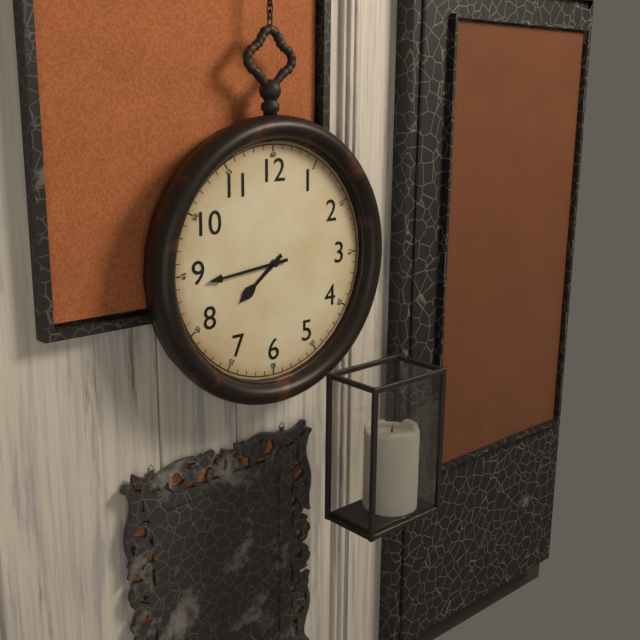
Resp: 7.44
